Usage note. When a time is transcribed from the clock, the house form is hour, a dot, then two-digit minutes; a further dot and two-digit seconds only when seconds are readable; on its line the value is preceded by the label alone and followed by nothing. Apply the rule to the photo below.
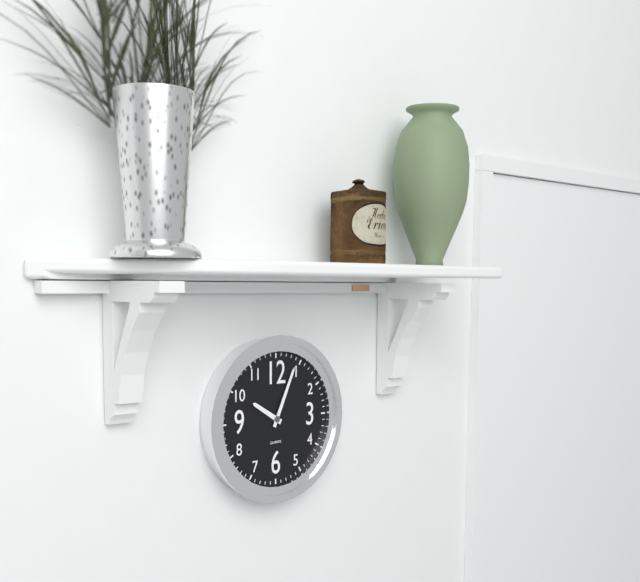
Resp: 10.04
